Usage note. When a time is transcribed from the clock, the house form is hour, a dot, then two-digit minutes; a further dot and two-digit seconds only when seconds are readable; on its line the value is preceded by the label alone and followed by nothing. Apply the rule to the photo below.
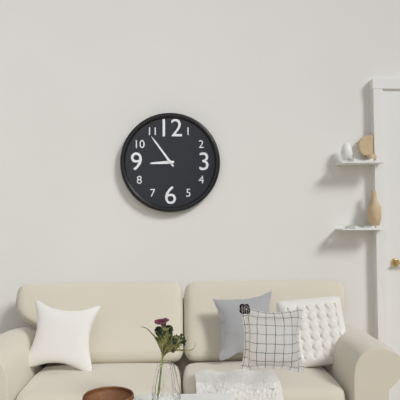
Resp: 8.54
